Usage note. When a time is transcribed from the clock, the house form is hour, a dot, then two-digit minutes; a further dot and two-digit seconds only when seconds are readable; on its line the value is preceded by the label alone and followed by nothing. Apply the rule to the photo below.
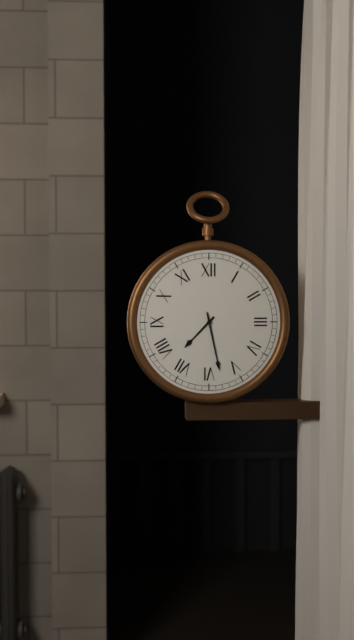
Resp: 7.28
